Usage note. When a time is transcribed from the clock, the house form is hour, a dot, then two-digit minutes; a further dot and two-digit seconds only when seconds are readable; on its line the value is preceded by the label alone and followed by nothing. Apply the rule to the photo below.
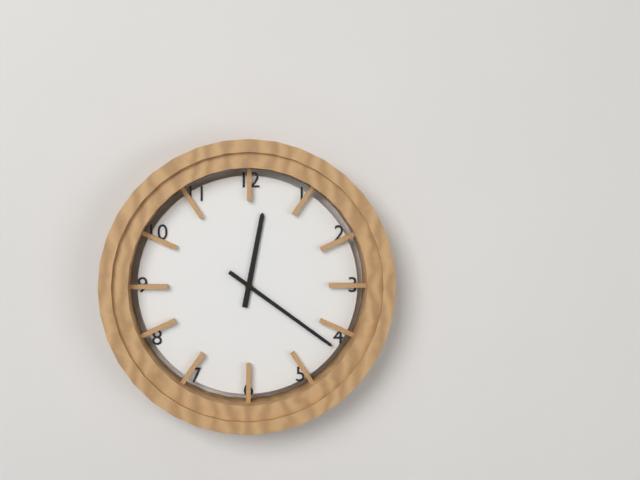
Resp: 12.21
